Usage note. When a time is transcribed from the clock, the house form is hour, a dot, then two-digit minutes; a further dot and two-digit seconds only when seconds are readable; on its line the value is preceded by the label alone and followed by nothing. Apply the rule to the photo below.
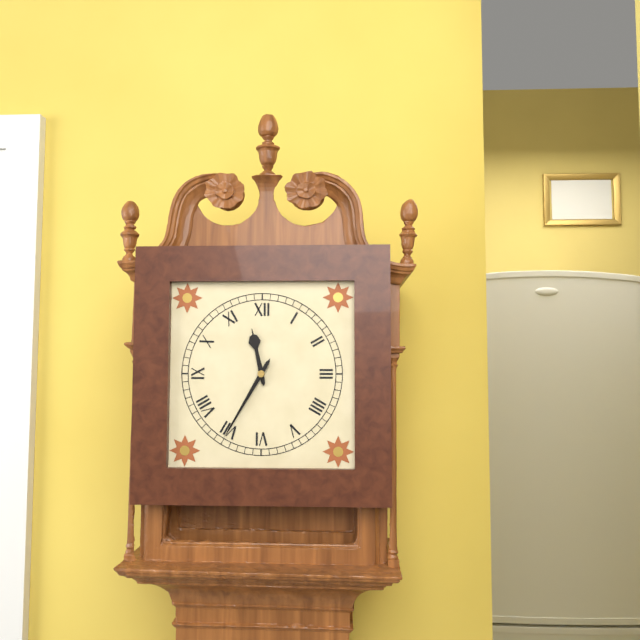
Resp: 11.35
